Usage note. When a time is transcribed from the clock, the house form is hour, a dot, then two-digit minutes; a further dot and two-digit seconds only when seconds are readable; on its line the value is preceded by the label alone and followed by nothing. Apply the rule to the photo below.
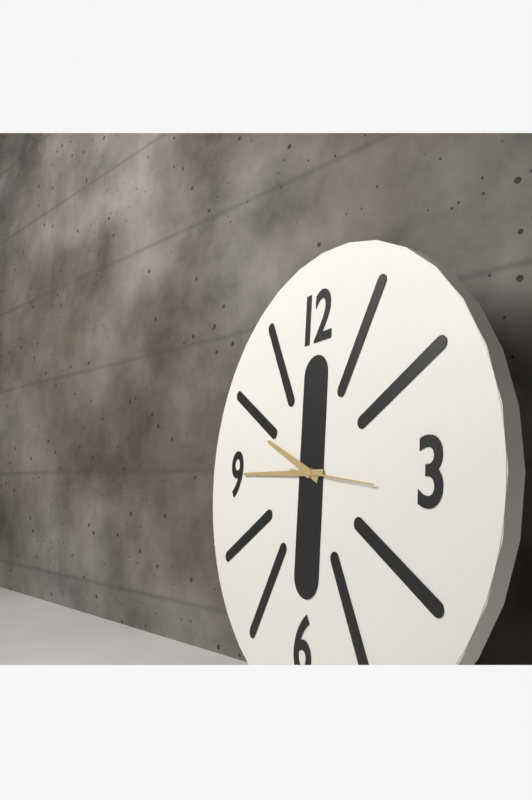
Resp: 9.45.16
